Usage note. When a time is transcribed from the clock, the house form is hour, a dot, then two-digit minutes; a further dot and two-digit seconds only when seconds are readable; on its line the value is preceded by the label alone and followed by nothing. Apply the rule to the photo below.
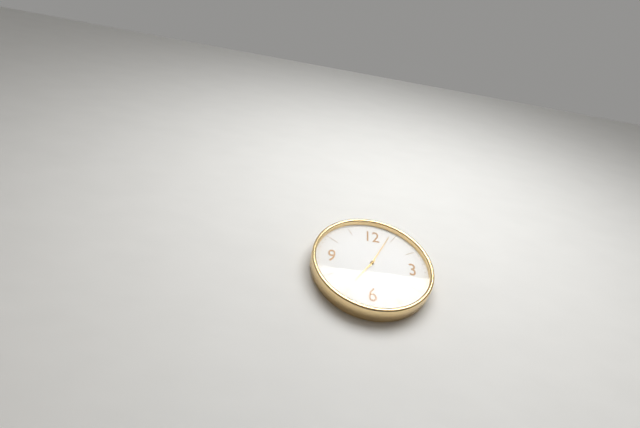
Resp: 7.04
